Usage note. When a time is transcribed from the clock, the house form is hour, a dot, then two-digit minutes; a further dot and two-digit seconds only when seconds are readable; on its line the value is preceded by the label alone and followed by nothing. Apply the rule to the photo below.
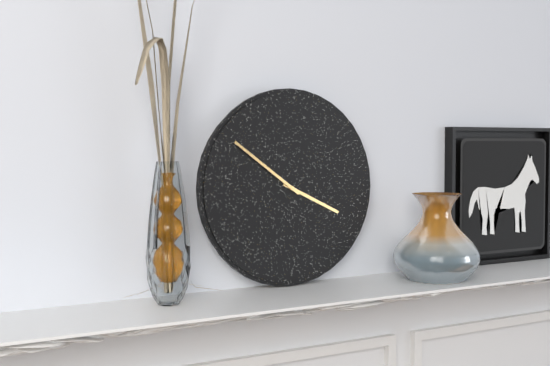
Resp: 3.51
